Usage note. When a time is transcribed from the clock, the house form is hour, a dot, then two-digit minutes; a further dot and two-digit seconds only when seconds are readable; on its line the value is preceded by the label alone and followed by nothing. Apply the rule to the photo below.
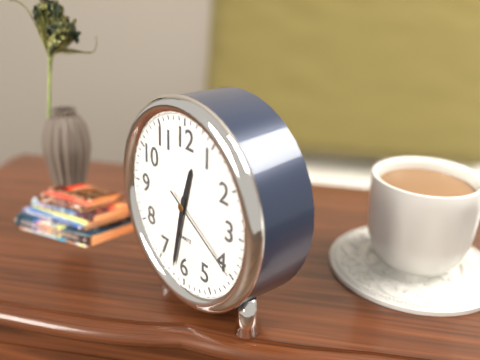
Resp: 12.32.20
